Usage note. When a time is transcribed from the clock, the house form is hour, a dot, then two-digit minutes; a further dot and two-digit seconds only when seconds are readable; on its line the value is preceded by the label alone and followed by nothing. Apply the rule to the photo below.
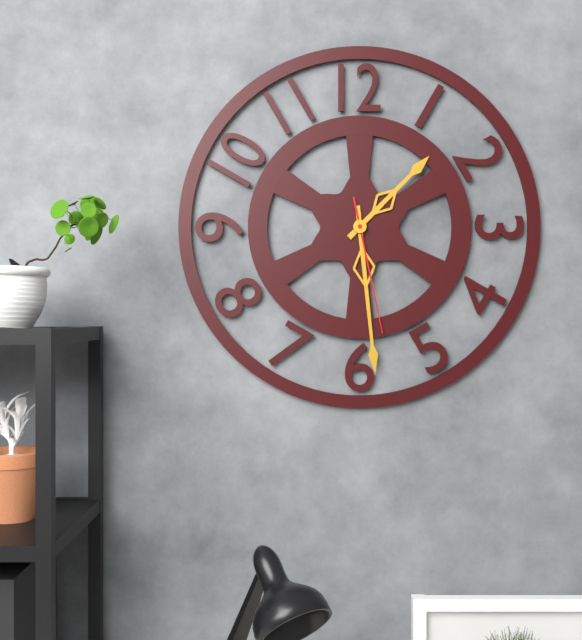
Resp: 1.29.28
